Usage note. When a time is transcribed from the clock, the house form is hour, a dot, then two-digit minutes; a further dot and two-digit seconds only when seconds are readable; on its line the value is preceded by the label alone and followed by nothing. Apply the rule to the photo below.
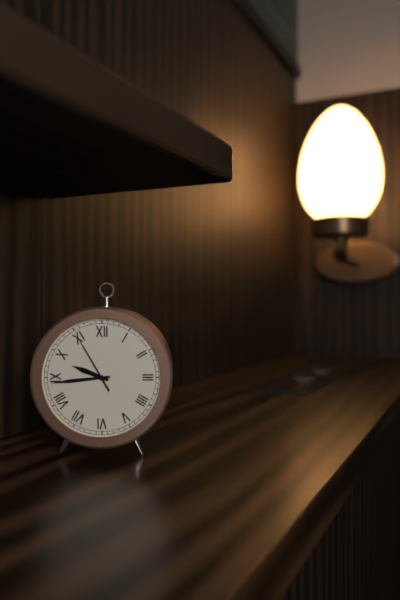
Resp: 9.44.55
